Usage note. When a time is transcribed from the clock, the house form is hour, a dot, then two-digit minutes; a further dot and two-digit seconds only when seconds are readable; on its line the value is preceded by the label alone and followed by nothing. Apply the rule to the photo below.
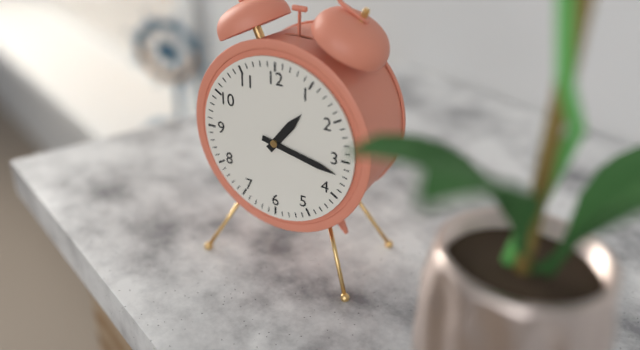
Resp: 1.17
